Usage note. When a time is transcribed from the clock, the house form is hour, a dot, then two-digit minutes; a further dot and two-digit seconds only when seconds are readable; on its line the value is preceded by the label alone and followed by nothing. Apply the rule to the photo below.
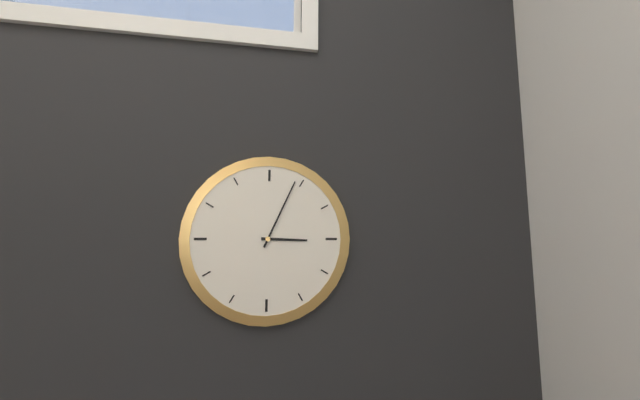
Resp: 3.04
